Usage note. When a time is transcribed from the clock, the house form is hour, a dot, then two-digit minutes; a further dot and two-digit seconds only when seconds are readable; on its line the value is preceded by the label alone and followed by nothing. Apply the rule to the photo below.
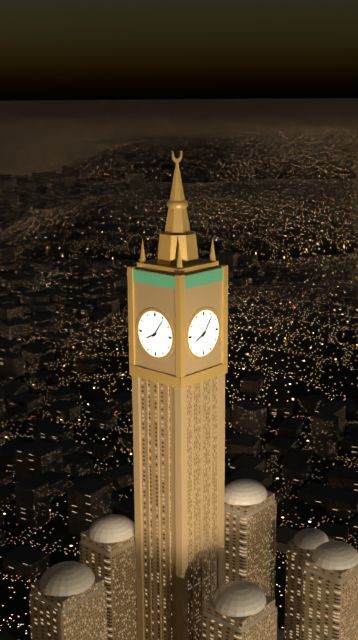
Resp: 8.06
